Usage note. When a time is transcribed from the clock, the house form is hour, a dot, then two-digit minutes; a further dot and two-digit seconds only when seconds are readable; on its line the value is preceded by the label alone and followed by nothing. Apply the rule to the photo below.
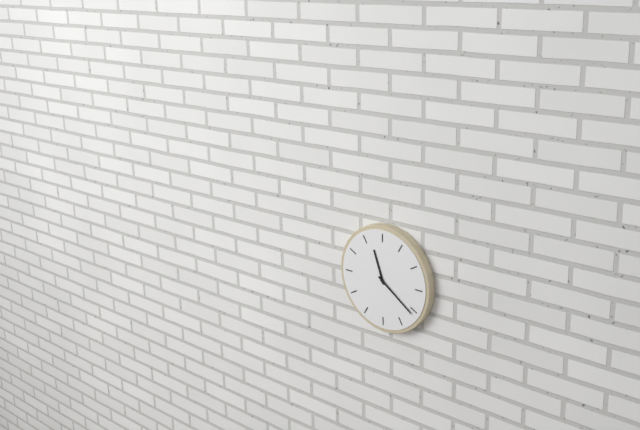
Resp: 11.21
